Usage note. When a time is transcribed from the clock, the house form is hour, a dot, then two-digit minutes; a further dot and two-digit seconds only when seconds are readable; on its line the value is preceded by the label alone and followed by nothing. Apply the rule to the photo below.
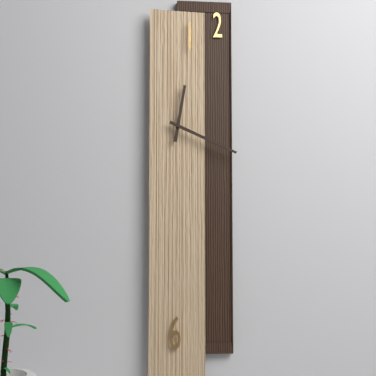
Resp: 12.19
